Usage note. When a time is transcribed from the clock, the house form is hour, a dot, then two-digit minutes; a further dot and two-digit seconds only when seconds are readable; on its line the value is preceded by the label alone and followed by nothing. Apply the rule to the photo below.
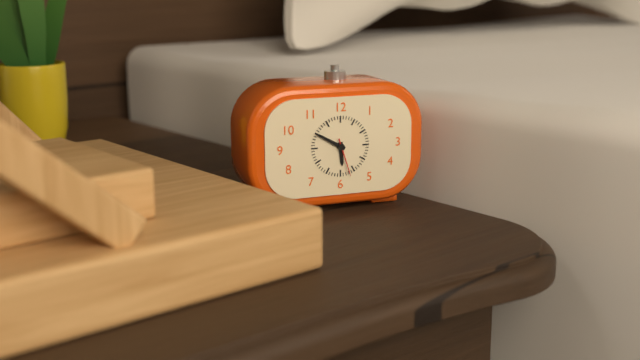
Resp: 5.50
